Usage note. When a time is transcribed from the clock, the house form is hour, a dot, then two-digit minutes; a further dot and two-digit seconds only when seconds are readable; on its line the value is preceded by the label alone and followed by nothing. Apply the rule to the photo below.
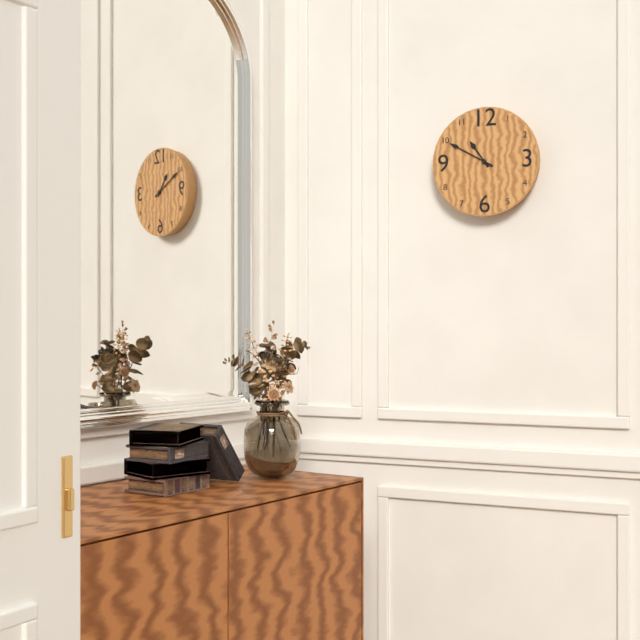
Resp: 10.50
